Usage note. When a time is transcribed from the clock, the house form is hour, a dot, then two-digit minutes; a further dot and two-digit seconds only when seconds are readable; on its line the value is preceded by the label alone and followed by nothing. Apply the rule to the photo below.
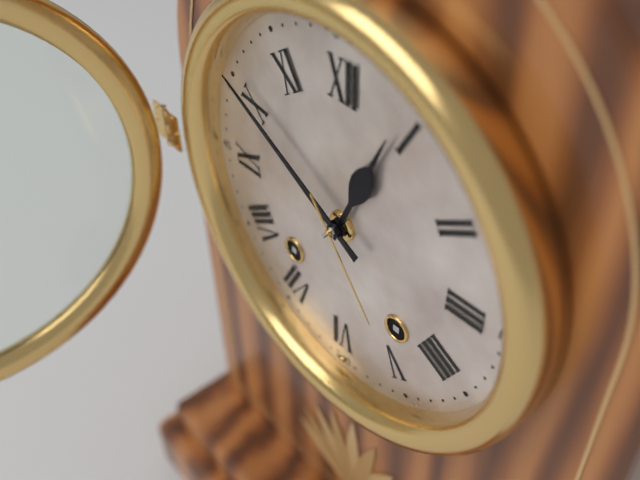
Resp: 12.50
